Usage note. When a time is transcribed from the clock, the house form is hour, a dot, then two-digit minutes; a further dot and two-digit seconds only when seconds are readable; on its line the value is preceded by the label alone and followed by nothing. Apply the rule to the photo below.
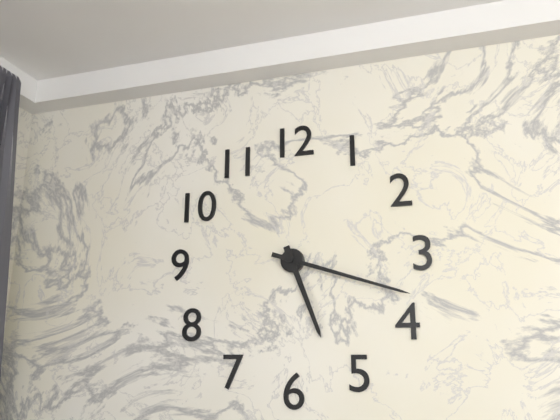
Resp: 5.18
